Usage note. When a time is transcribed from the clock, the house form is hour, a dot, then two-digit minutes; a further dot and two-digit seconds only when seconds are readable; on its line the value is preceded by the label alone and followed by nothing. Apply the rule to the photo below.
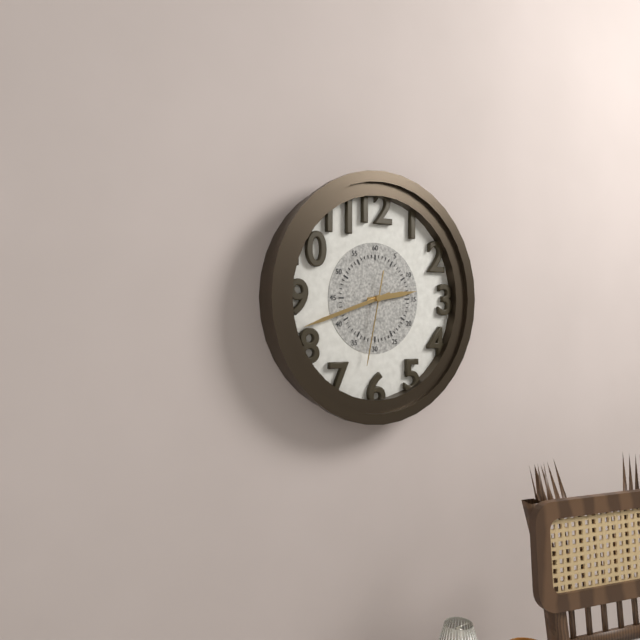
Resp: 2.42.32
